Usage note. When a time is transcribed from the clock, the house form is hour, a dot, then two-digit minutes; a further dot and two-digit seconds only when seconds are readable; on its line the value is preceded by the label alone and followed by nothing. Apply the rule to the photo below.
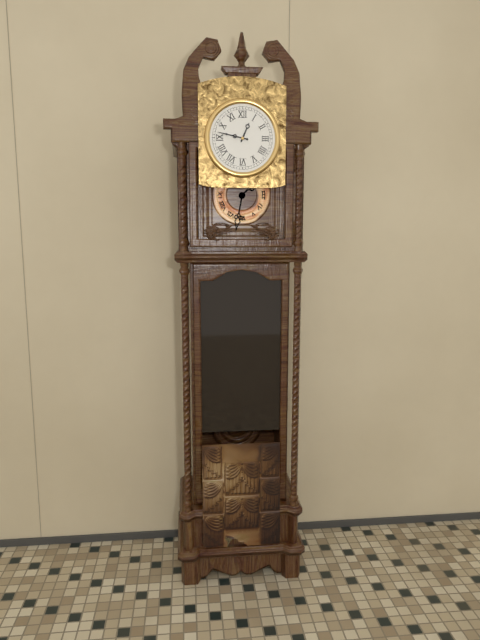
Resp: 12.47
